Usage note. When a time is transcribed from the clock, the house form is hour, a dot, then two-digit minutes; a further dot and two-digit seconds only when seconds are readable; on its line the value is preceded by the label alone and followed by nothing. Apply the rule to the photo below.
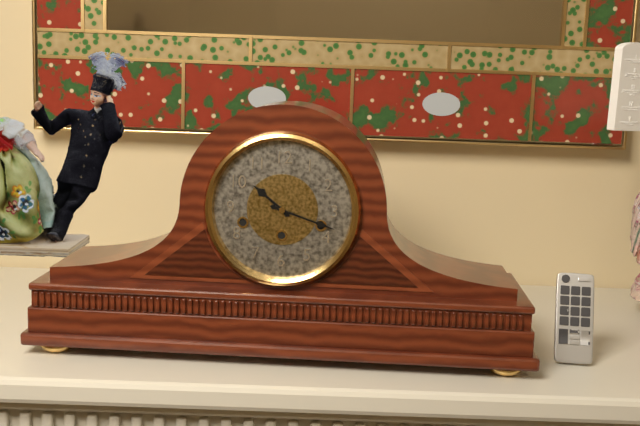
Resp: 10.18
